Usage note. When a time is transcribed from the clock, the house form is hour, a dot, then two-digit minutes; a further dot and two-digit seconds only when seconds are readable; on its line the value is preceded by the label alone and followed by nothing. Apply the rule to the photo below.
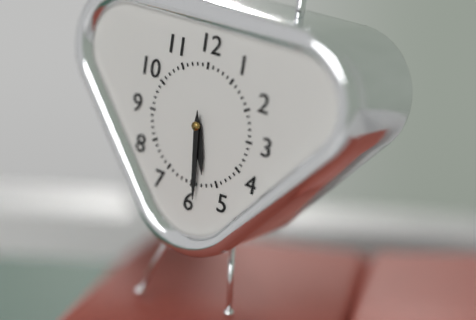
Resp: 5.29
